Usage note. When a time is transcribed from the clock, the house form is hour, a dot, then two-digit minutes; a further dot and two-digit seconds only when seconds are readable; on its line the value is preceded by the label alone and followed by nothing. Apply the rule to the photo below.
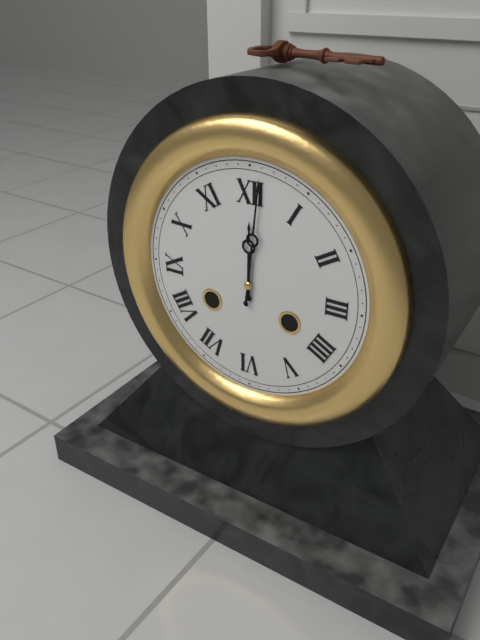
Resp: 12.01
